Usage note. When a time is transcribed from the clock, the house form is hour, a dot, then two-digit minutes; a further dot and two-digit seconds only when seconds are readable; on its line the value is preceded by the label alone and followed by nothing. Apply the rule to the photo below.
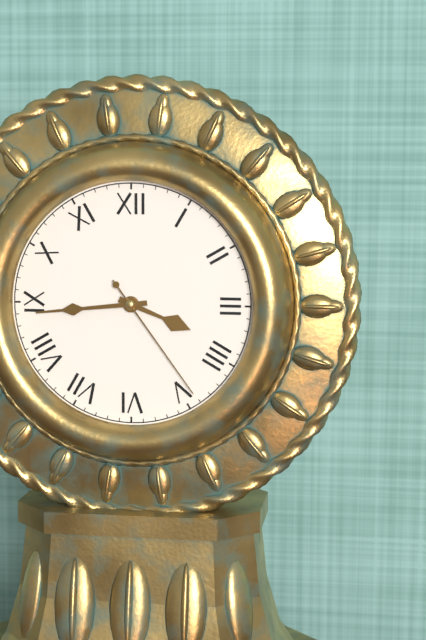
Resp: 3.44.24
